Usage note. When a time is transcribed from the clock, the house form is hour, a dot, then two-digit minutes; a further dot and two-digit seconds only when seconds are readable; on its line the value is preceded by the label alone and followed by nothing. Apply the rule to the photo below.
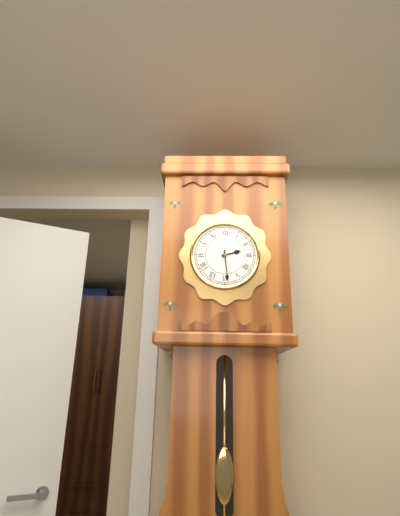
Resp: 2.29
